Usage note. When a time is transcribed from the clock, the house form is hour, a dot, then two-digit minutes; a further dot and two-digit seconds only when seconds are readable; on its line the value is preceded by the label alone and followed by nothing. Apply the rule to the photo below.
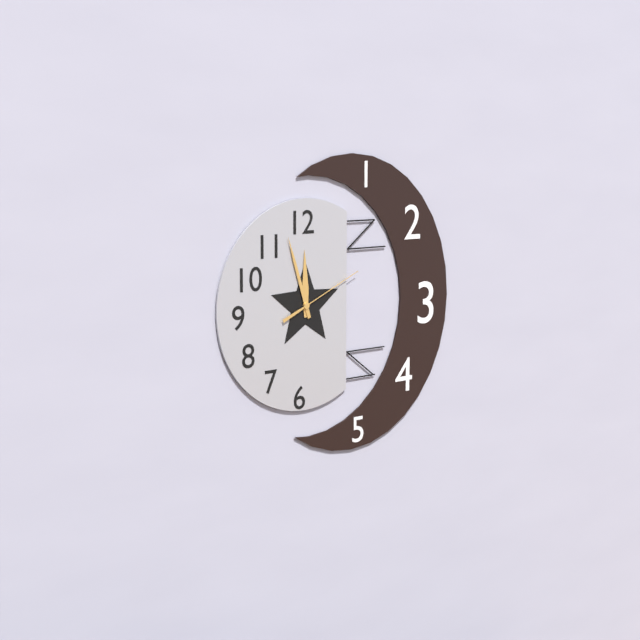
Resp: 11.57.11
